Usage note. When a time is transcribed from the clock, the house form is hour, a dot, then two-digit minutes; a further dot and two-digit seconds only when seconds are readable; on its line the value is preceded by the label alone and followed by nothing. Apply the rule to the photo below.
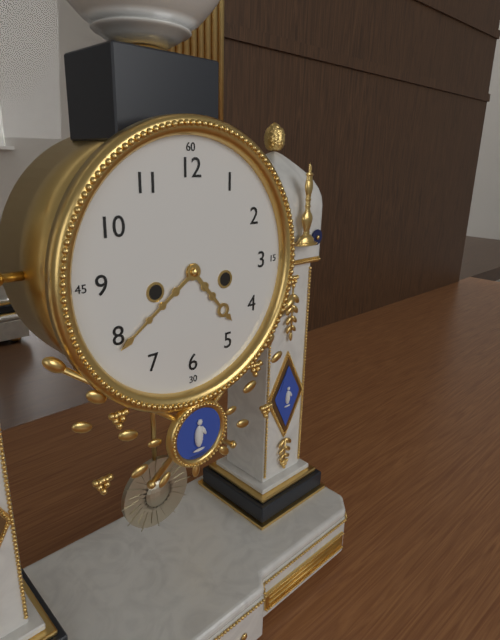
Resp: 4.39
